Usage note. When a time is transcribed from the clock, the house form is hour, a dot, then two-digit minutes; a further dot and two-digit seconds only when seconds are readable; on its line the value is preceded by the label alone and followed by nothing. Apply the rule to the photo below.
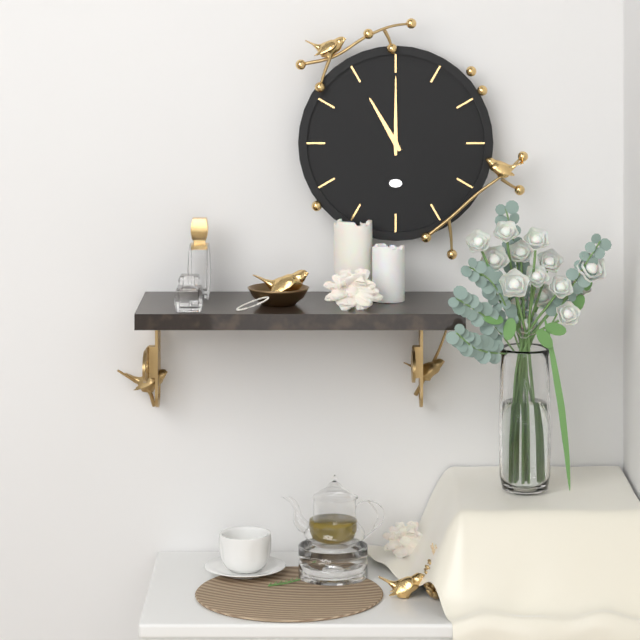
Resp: 11.00
